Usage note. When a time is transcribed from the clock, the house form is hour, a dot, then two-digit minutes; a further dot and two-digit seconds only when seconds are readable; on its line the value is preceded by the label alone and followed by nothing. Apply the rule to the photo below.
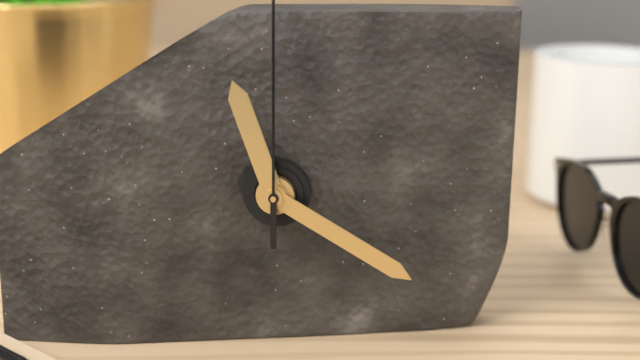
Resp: 11.20
